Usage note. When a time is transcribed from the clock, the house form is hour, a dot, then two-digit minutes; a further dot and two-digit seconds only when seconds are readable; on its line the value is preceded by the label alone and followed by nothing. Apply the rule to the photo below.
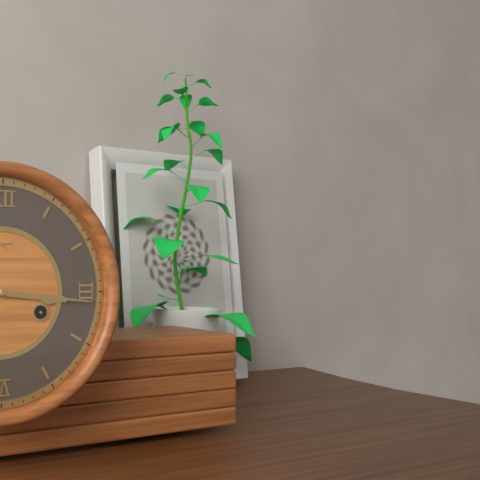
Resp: 3.16
